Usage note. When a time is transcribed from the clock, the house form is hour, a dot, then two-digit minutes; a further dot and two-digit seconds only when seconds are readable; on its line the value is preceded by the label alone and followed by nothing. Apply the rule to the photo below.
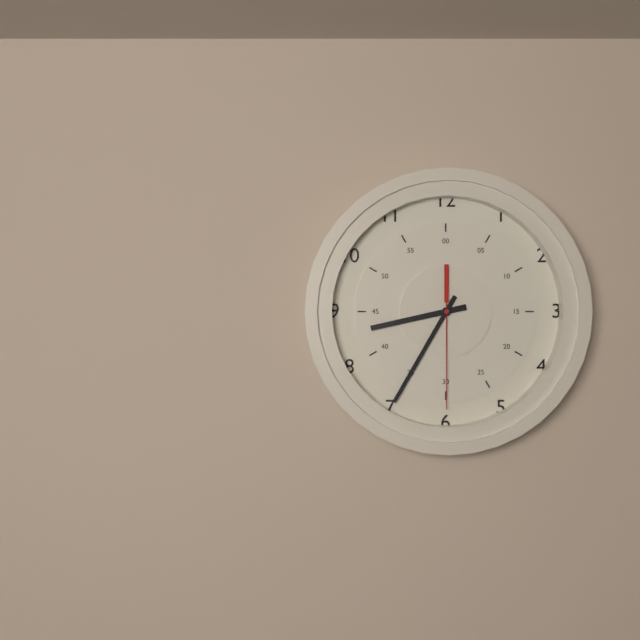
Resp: 8.35.30
